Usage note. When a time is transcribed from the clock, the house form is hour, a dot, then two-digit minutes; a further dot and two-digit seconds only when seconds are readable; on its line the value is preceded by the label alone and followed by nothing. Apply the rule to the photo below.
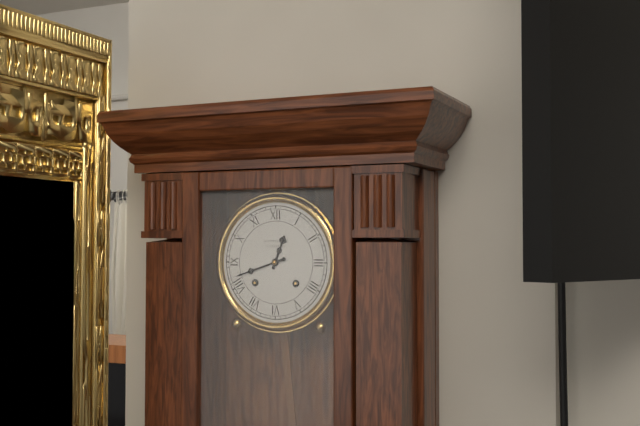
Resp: 12.42
